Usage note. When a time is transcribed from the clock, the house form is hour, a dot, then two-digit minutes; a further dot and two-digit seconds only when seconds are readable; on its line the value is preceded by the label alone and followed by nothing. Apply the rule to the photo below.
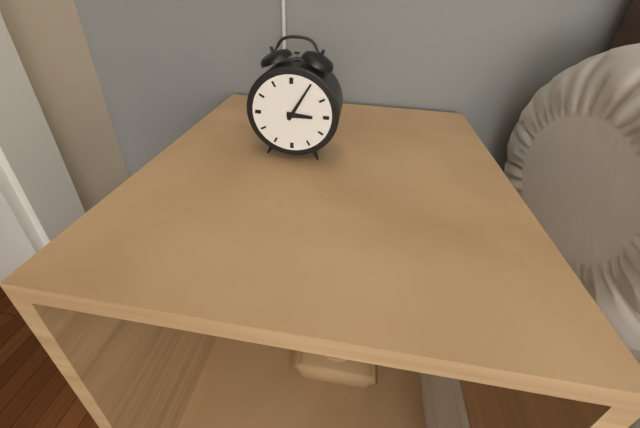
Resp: 3.05
